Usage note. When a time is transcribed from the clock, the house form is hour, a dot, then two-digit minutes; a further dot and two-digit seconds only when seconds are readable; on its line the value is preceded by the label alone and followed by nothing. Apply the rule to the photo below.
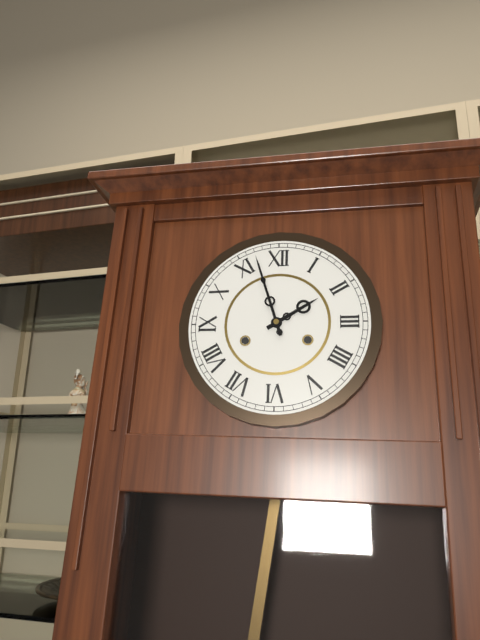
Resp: 1.57
